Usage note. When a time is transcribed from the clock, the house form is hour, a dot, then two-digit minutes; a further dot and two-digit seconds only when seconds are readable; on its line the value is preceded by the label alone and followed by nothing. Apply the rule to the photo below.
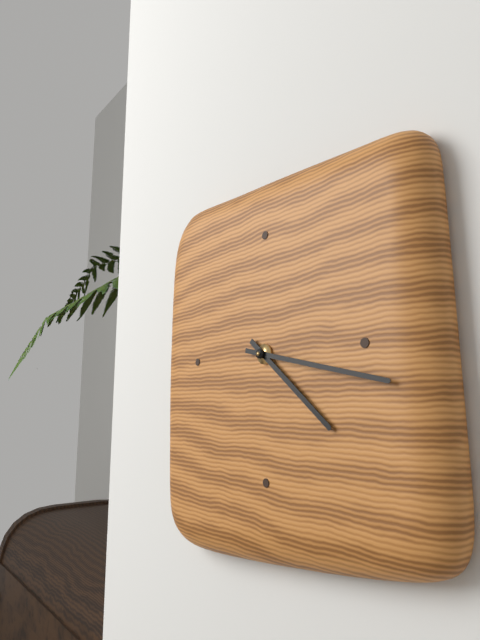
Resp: 4.17
